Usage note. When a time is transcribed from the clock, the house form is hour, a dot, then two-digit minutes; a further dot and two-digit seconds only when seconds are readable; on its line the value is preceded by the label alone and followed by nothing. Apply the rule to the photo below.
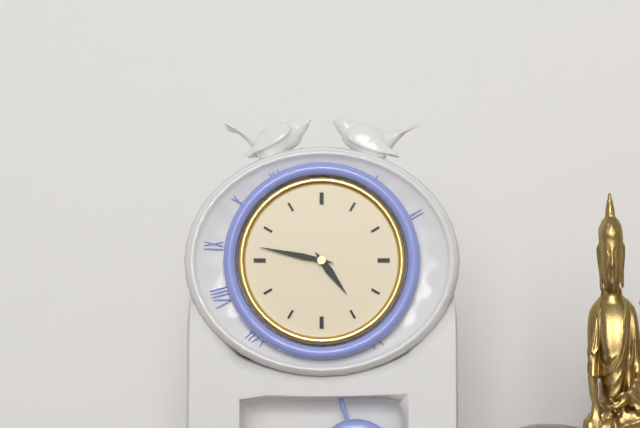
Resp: 4.47
